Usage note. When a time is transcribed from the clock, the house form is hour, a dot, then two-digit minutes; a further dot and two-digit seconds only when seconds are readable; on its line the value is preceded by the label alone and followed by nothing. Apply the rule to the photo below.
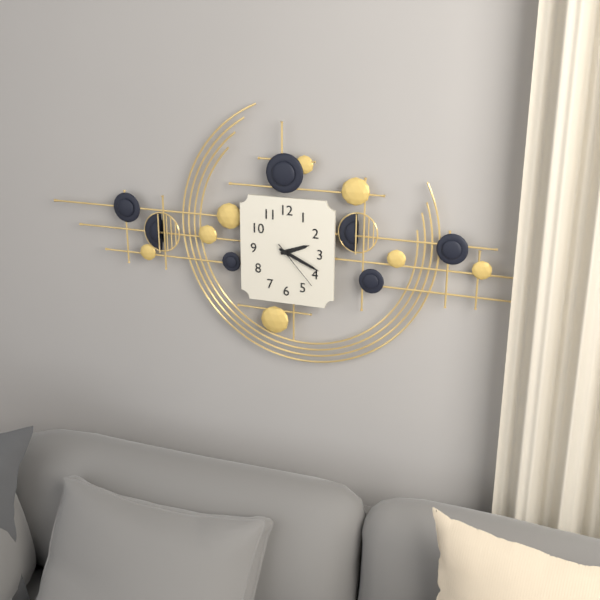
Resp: 2.19.23
